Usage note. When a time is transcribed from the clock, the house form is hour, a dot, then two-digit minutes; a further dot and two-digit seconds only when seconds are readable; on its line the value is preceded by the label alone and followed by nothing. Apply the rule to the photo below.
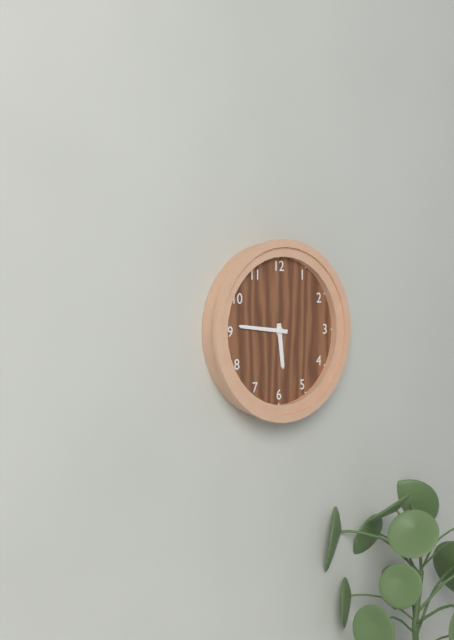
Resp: 5.46
